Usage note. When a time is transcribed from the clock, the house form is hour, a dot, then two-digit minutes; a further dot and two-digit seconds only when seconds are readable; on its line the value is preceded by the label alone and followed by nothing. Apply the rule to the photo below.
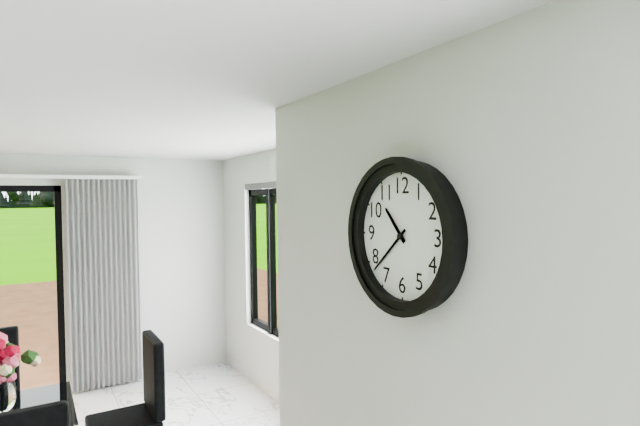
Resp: 10.38
